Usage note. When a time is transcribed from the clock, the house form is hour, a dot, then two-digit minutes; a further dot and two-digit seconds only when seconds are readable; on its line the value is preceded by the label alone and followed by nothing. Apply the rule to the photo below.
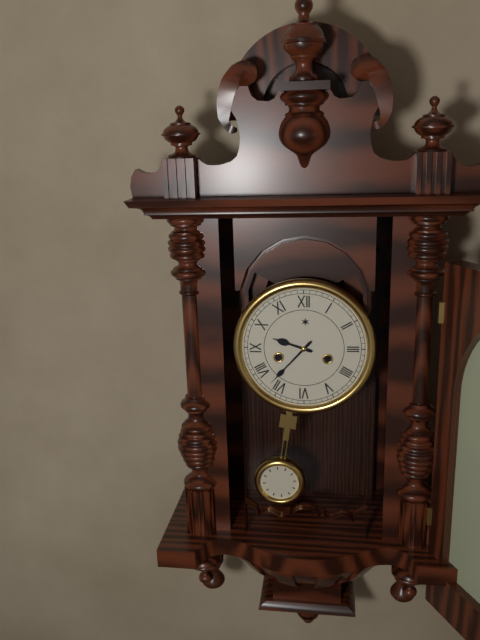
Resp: 9.37
